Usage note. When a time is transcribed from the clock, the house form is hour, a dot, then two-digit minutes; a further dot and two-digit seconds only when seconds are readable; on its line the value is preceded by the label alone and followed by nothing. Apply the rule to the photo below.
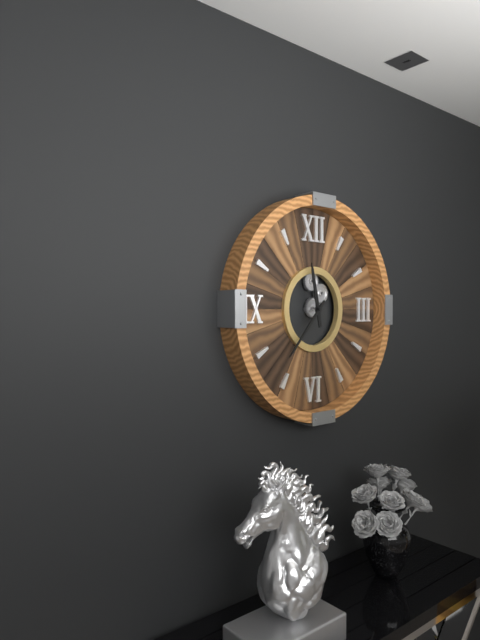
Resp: 11.37
